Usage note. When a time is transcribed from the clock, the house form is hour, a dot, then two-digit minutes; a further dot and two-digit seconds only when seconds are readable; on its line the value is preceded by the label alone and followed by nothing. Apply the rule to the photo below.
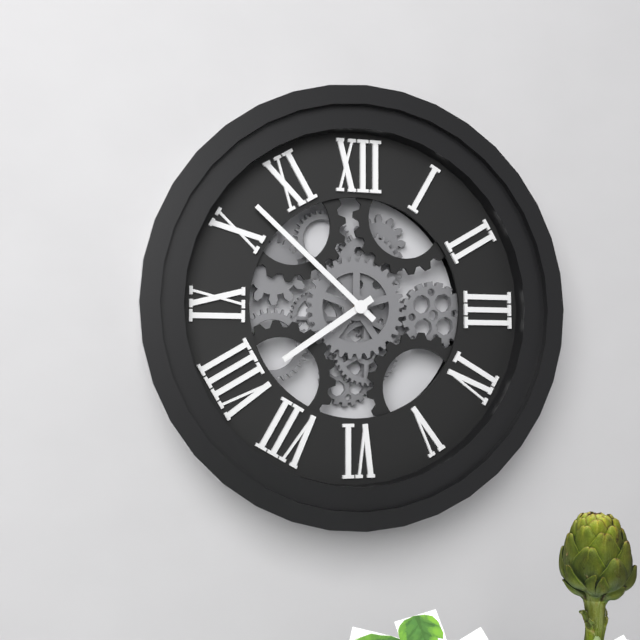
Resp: 7.52
